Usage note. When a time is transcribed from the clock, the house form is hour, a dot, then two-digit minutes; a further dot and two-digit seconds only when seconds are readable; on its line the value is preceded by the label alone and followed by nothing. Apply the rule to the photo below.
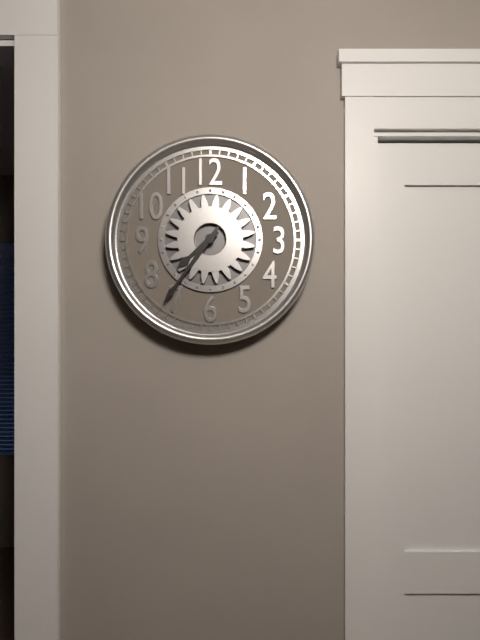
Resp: 7.36
